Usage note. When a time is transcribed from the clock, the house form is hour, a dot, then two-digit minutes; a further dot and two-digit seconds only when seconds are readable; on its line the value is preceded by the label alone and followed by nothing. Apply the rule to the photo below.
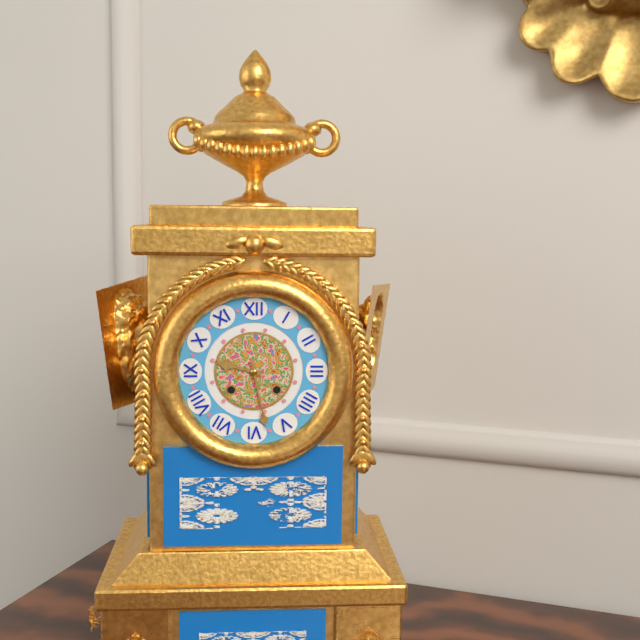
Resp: 9.28
